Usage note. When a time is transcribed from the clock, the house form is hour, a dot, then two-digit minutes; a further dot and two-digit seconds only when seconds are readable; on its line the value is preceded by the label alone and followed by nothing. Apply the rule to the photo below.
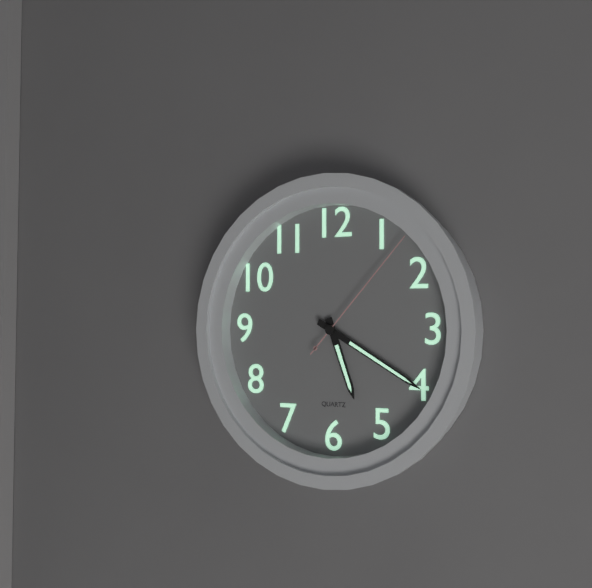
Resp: 5.20.07
